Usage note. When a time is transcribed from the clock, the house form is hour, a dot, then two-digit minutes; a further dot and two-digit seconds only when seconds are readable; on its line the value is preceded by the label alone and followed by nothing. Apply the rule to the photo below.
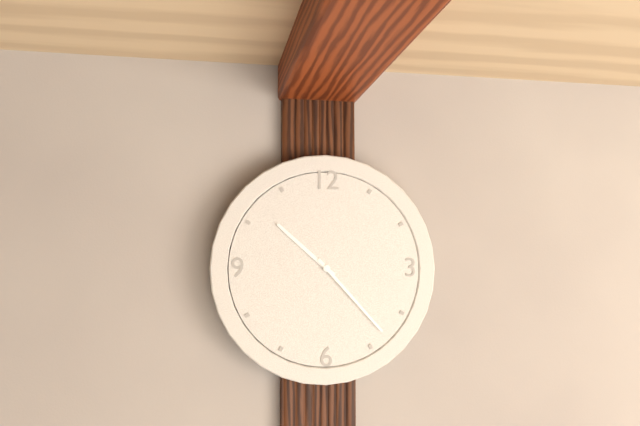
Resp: 10.23
